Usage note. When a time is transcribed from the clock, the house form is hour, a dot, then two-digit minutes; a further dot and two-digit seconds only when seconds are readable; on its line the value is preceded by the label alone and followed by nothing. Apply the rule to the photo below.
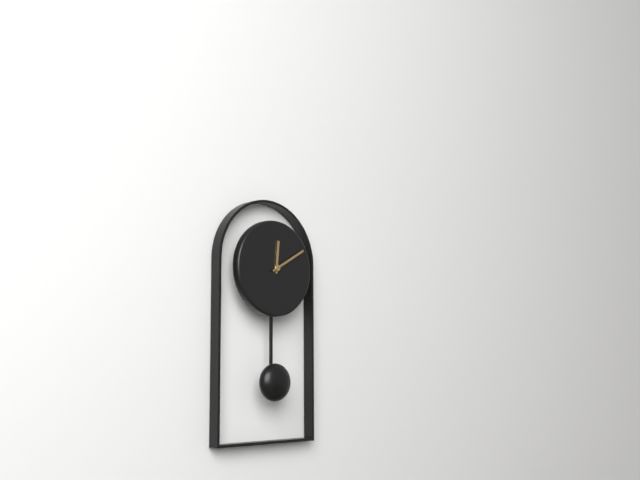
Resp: 12.10
